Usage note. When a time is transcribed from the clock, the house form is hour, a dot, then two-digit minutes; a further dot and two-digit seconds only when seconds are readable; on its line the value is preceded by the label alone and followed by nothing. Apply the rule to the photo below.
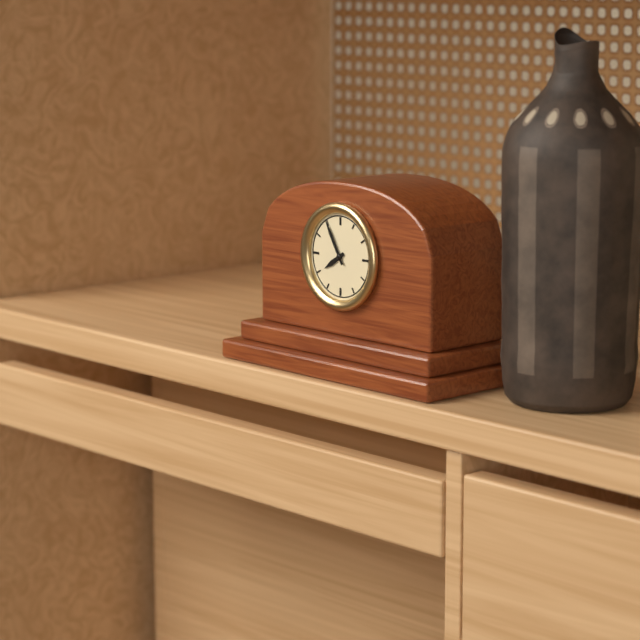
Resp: 7.55
